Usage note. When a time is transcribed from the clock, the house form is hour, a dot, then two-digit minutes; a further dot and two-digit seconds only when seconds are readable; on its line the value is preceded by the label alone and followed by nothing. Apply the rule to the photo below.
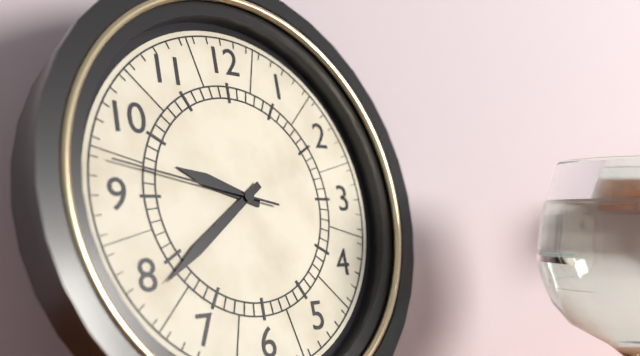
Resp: 9.39.47
